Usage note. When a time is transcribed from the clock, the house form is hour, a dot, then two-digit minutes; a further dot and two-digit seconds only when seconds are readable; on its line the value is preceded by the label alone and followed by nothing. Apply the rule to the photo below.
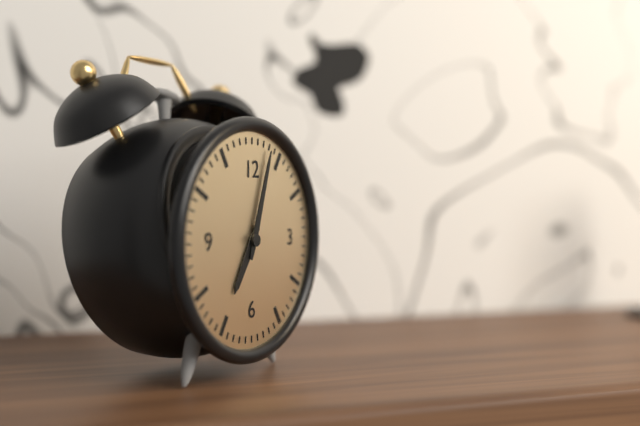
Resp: 7.03
